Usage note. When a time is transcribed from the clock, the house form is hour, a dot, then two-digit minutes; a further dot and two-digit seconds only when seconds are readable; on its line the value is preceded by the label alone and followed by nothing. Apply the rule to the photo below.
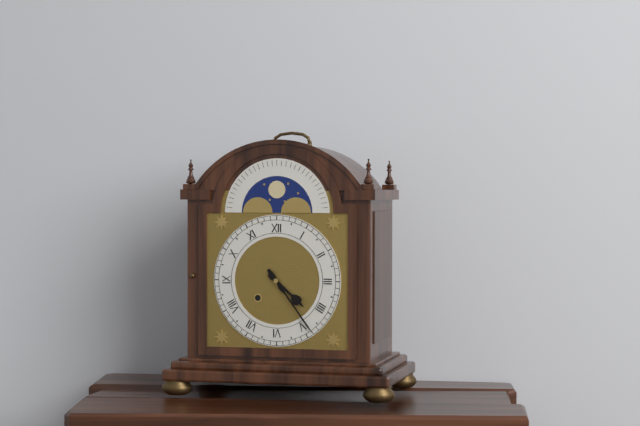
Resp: 4.24
